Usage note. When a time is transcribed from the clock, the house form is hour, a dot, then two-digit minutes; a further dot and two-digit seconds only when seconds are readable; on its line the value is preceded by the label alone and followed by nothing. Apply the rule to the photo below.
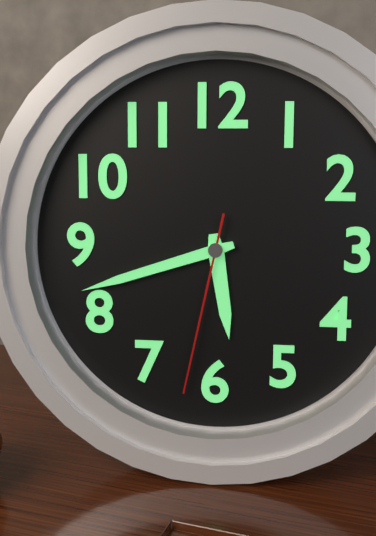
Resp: 5.42.32
